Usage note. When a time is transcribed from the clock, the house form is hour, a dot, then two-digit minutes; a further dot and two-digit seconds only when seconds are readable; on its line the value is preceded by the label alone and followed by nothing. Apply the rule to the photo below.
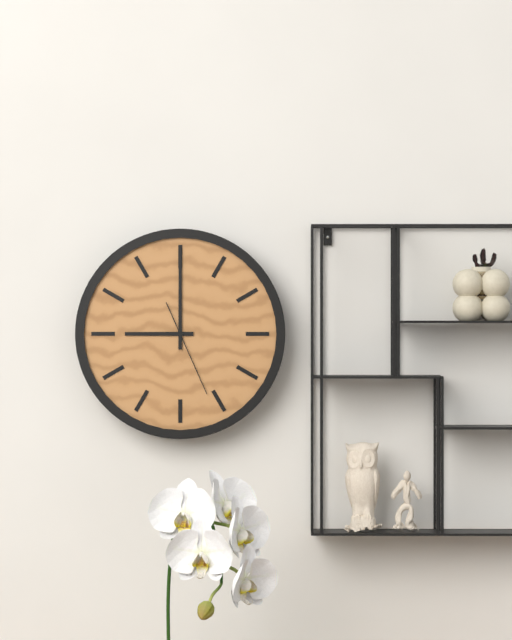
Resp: 9.00.26
